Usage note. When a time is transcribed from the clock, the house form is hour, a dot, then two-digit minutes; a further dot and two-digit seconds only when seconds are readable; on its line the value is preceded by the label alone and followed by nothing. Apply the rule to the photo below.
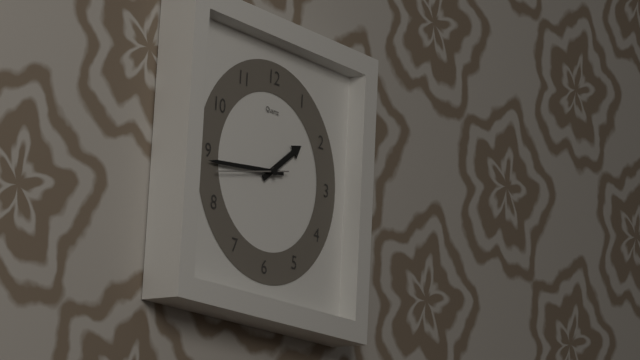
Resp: 1.44.43
